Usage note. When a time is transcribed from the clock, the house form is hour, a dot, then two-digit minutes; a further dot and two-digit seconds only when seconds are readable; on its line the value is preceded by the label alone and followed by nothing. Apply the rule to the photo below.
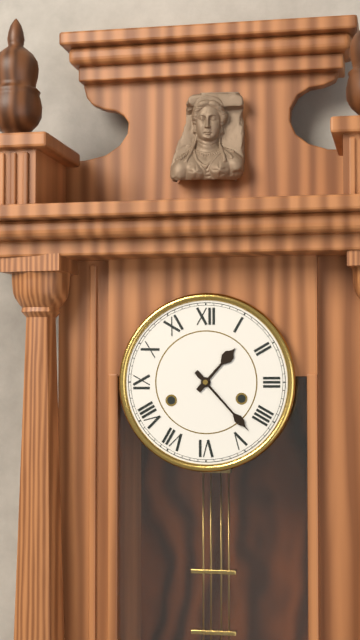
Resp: 1.23
